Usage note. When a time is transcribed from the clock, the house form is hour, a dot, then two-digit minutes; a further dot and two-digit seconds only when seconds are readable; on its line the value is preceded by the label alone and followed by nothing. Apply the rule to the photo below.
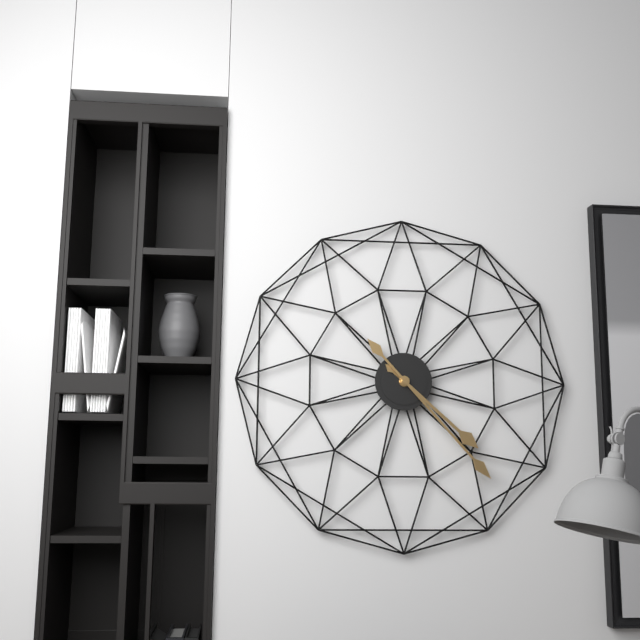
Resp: 4.23
